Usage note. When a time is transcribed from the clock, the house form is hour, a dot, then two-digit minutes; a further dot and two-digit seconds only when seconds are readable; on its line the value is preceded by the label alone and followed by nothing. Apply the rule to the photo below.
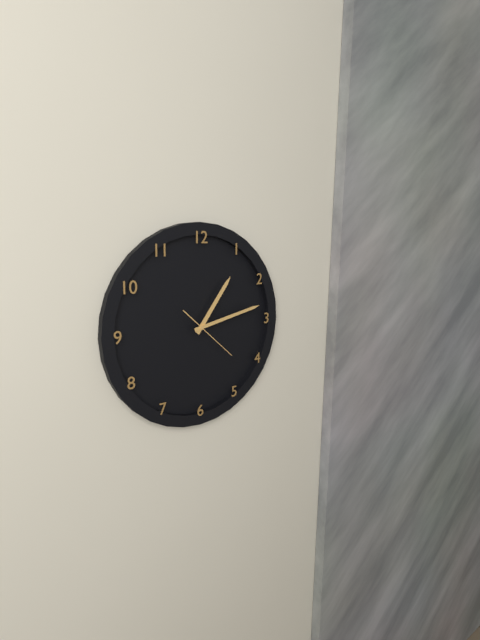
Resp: 1.13.22
